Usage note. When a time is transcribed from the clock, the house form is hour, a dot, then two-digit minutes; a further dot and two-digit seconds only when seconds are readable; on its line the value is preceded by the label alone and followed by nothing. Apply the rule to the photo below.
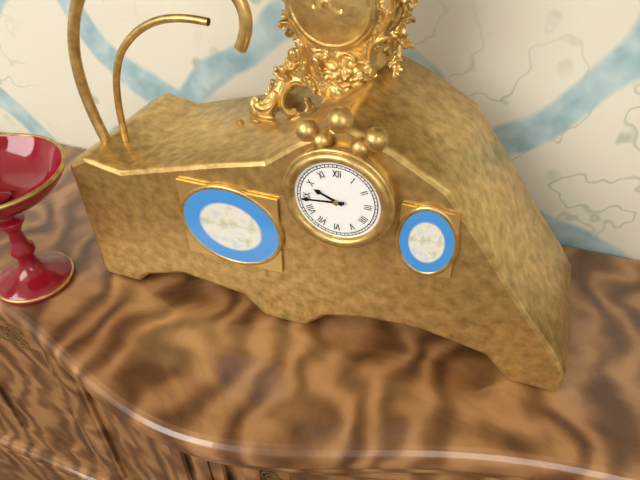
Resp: 9.44
